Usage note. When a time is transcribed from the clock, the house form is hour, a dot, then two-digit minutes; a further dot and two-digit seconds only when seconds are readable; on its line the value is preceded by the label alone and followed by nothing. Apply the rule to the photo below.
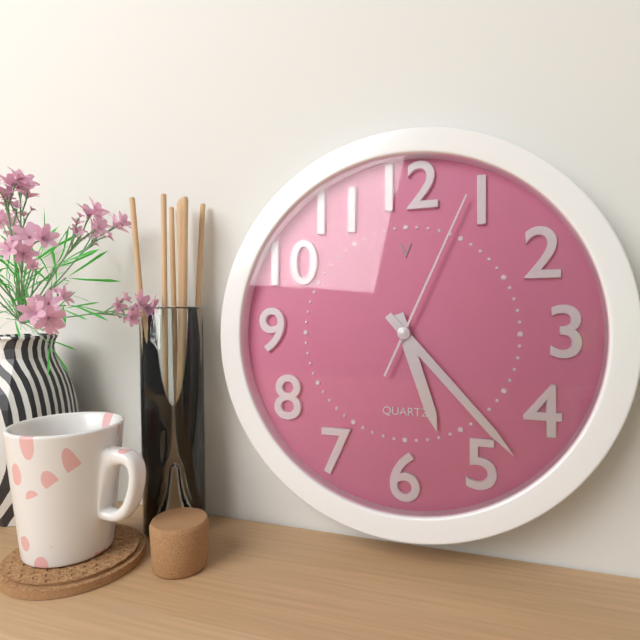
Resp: 5.23.04
